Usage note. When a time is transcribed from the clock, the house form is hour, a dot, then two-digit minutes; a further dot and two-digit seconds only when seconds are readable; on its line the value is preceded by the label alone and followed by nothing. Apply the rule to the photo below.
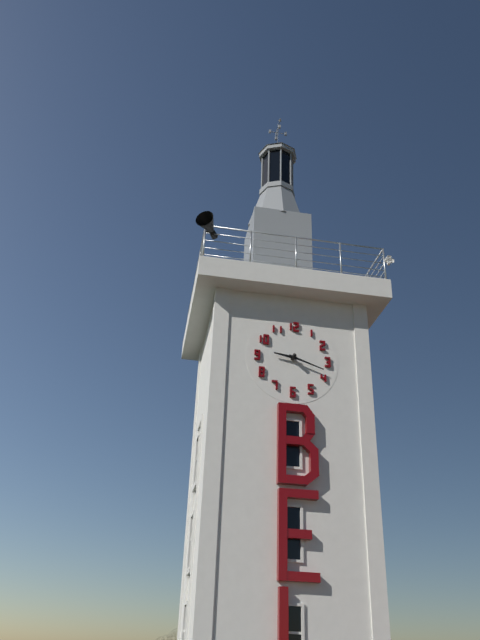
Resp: 9.18
